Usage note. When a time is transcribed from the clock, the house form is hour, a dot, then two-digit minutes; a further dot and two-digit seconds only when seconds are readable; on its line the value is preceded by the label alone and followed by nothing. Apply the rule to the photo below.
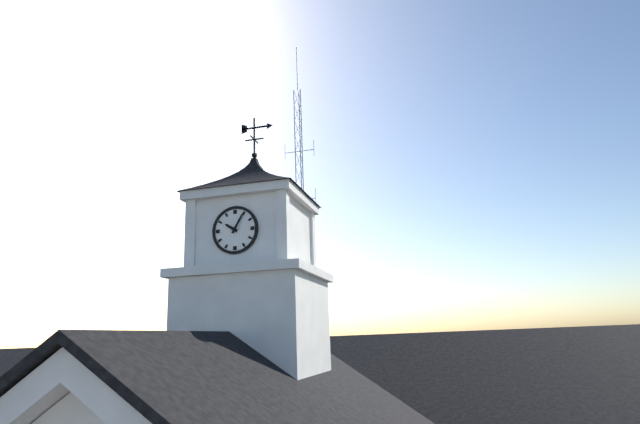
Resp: 10.05
